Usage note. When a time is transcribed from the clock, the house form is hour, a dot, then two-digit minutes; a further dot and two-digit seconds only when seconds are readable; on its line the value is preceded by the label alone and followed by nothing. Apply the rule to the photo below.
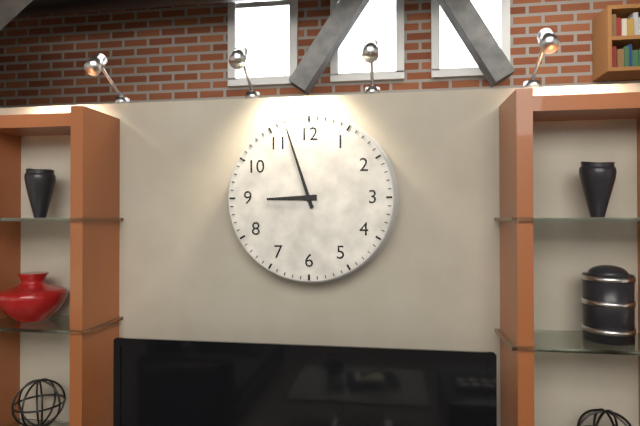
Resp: 8.57
